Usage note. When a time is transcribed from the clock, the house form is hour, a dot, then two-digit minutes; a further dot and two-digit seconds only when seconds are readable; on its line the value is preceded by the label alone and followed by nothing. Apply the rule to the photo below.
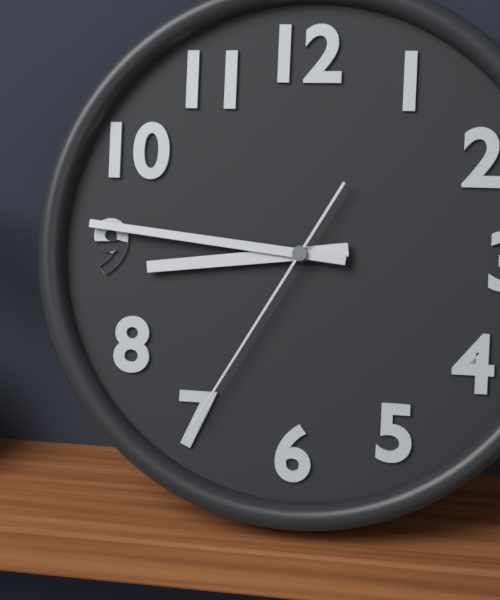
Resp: 8.46.35
